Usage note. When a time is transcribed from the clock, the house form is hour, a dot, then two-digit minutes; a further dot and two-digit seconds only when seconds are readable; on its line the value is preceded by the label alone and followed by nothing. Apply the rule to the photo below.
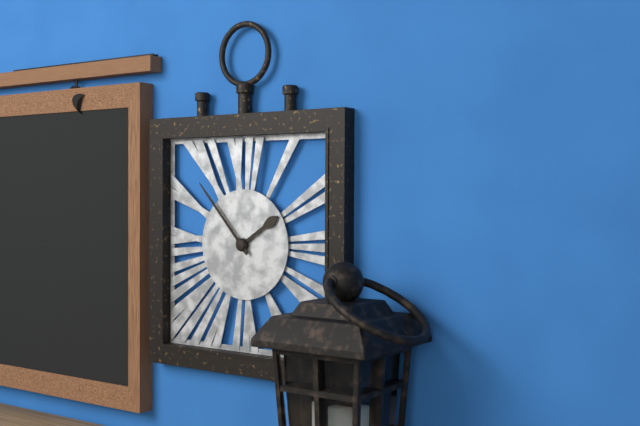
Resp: 1.53
